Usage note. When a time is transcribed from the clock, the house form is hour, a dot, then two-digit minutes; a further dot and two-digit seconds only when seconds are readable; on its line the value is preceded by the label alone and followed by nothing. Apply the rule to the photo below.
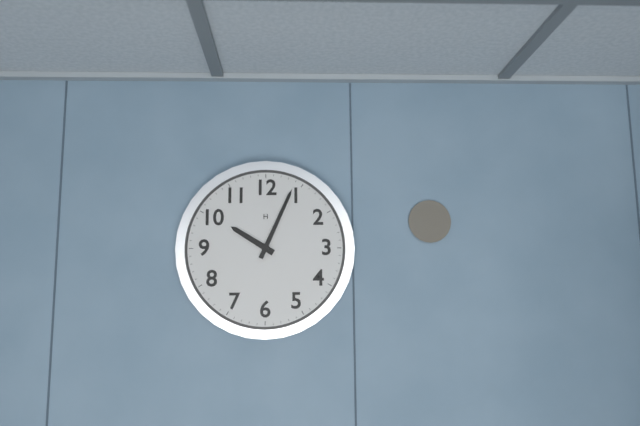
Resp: 10.04
